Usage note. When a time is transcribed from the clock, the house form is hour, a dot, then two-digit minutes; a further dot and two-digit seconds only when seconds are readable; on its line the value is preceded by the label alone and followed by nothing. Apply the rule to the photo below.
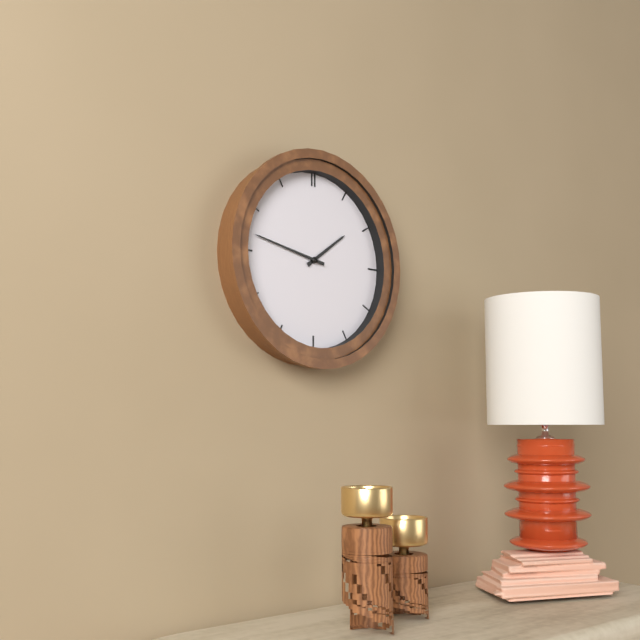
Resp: 1.47
